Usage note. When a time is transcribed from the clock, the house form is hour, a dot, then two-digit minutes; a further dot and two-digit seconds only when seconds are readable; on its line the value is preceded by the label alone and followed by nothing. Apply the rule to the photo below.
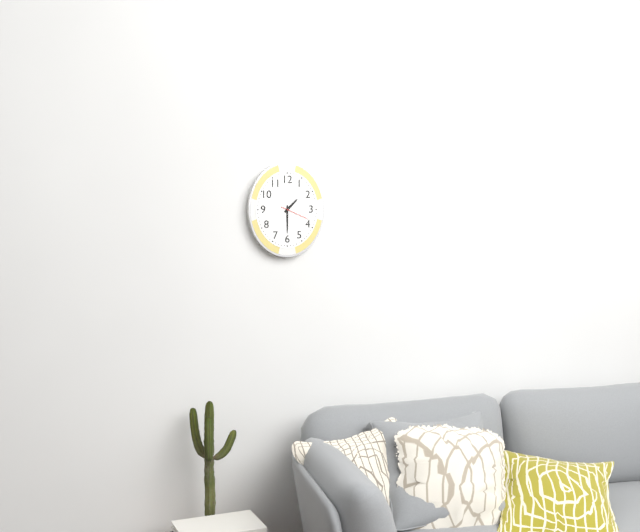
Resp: 1.30
